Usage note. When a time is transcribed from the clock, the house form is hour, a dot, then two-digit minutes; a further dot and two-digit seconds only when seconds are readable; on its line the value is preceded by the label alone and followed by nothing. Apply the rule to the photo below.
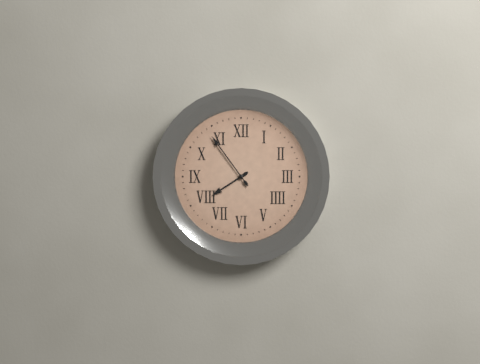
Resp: 7.54
